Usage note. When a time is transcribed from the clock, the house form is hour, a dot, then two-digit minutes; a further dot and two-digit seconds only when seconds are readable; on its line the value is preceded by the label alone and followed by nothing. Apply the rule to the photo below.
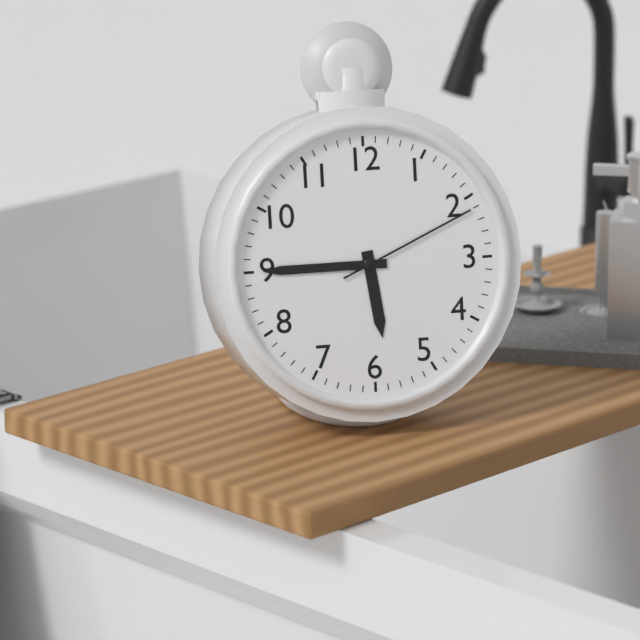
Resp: 5.45.11
